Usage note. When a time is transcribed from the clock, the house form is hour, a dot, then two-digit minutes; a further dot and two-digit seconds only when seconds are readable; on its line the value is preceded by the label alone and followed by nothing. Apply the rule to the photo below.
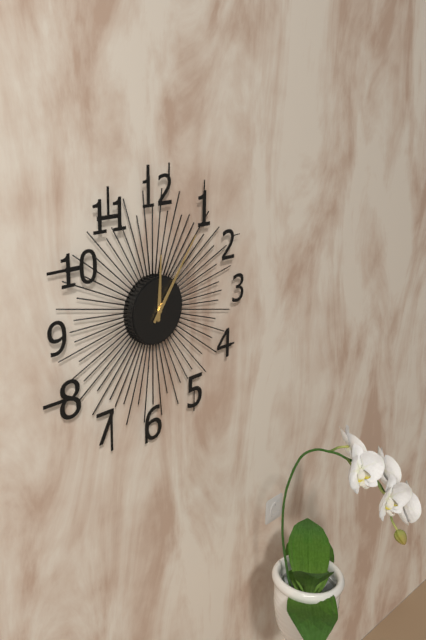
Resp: 12.06
